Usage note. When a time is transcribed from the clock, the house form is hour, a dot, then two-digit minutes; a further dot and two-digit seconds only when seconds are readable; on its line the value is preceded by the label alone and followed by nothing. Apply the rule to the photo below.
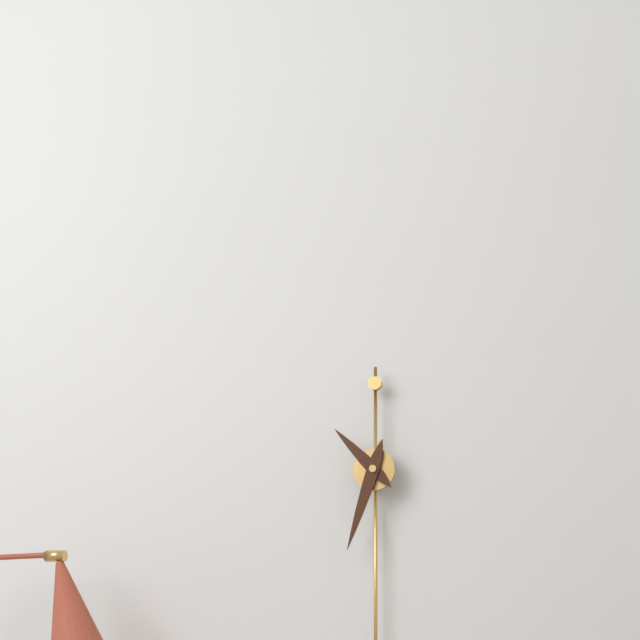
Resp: 10.33
